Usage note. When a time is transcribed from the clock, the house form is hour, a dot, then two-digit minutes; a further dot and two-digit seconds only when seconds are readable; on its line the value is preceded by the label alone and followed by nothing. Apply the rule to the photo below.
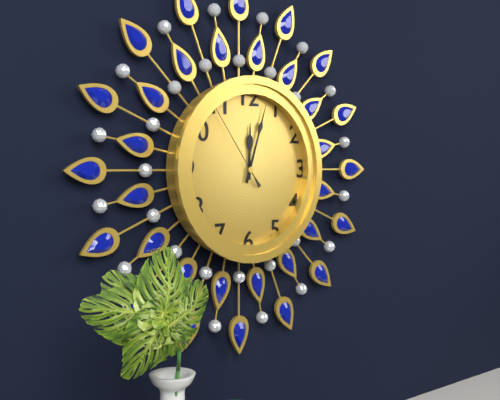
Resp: 12.03.54
